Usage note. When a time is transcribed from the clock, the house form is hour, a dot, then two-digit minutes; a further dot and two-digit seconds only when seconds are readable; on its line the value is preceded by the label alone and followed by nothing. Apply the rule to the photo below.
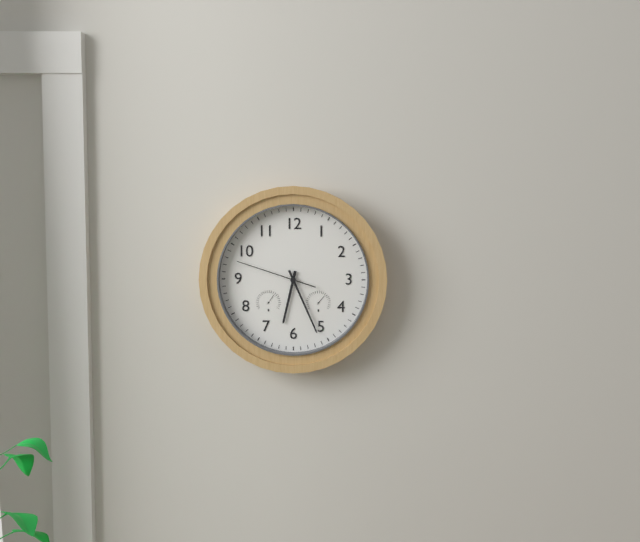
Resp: 6.26.48
